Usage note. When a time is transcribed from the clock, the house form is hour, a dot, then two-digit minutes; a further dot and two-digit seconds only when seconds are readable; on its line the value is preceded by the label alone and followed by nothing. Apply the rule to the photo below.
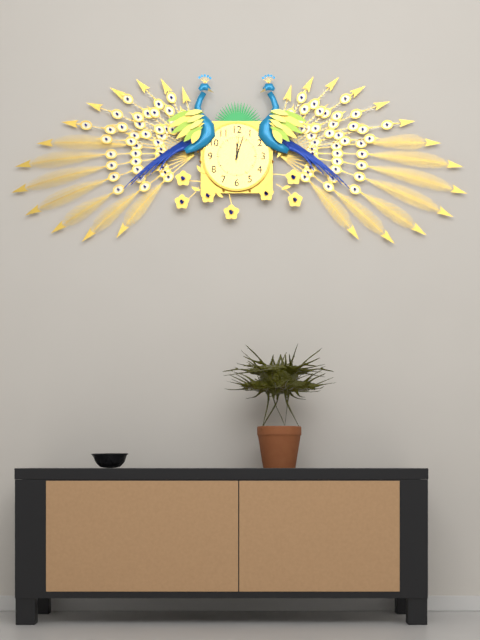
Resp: 12.03
